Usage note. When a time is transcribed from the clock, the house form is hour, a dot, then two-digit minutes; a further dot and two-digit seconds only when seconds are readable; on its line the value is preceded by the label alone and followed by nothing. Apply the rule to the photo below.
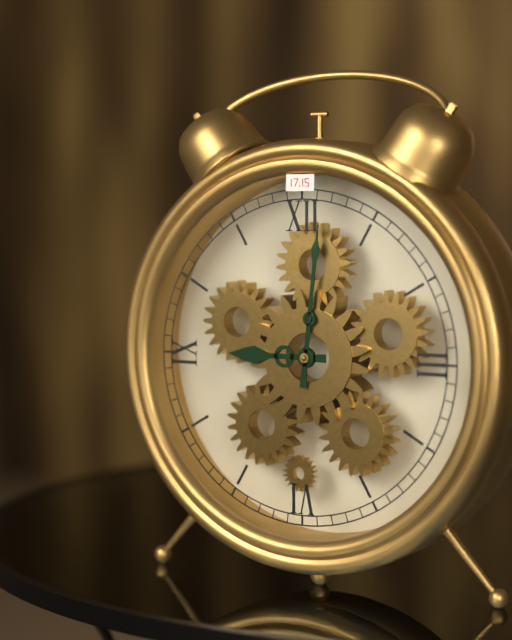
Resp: 9.01
